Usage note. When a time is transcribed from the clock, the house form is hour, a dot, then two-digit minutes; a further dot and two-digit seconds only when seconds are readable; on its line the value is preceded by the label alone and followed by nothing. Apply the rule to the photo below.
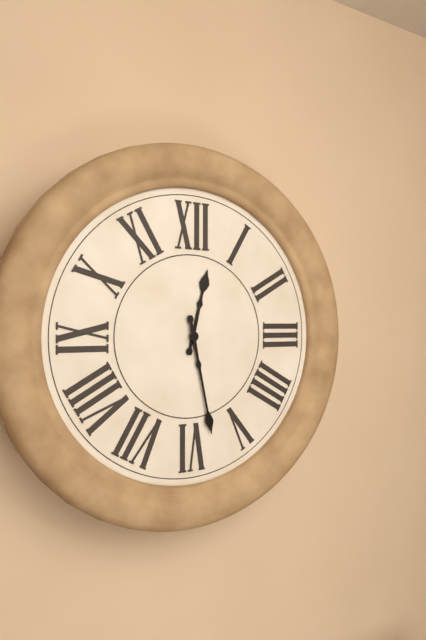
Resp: 12.28
